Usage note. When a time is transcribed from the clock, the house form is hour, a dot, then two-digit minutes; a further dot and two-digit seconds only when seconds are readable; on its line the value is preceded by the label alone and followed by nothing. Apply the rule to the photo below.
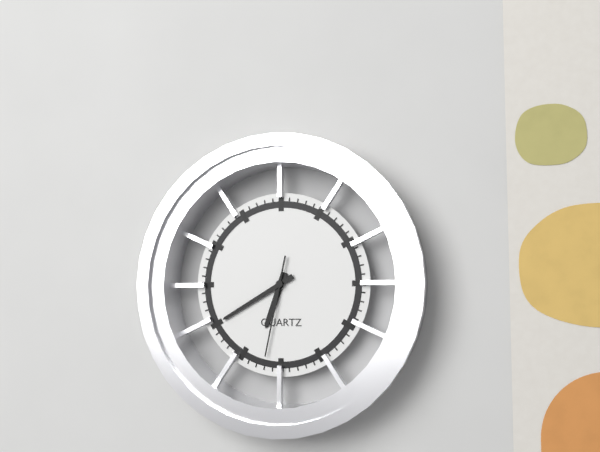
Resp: 6.40.32
